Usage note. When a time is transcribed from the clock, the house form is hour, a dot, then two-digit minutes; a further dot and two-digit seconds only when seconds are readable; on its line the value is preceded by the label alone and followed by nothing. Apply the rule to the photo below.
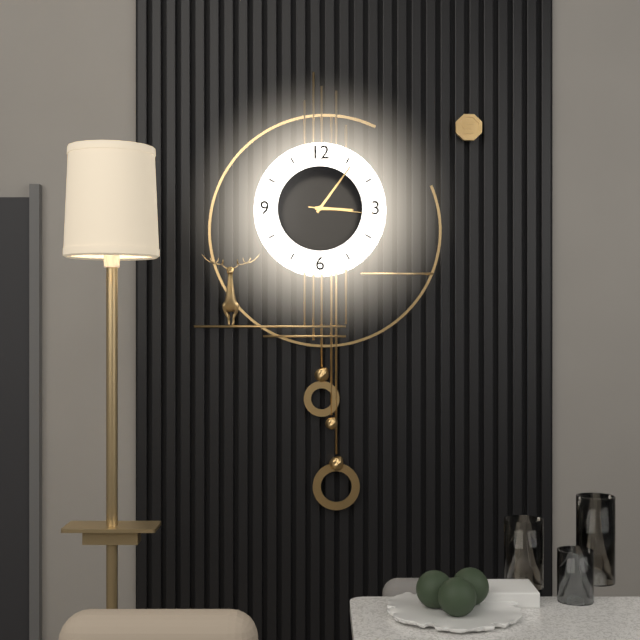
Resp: 3.06.16
